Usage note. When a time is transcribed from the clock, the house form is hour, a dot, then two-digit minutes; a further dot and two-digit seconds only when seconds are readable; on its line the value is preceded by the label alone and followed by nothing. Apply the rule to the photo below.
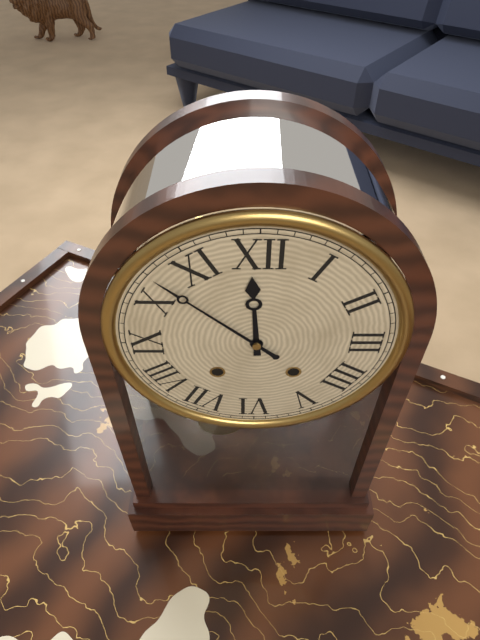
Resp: 11.52
